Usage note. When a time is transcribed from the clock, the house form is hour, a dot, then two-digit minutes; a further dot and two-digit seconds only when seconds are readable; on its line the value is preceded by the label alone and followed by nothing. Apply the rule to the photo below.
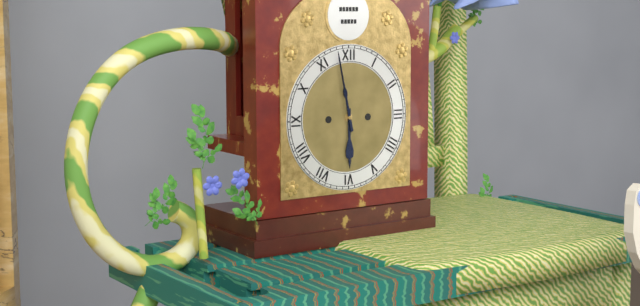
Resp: 5.58
